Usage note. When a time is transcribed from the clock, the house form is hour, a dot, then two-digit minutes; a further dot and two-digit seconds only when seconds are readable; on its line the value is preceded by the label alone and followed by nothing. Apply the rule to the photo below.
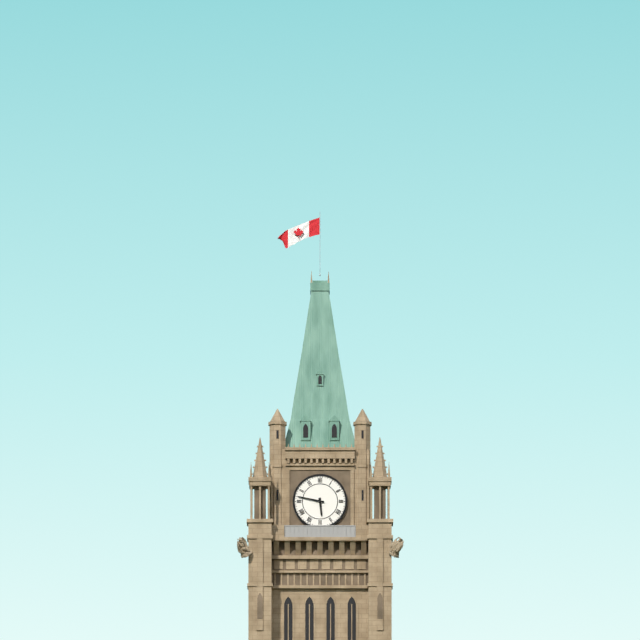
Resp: 5.47
